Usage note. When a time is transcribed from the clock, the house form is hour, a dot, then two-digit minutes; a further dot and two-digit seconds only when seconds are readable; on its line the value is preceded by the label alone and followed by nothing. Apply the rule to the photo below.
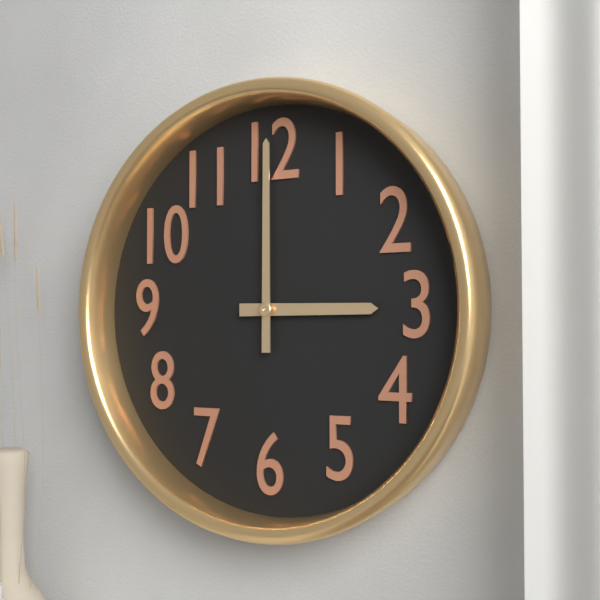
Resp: 3.00
